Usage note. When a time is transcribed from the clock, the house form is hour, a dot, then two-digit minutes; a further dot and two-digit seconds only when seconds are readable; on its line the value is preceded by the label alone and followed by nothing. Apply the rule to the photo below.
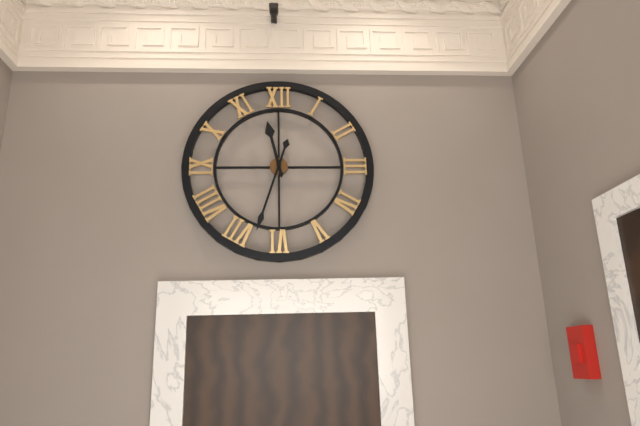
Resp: 11.33
